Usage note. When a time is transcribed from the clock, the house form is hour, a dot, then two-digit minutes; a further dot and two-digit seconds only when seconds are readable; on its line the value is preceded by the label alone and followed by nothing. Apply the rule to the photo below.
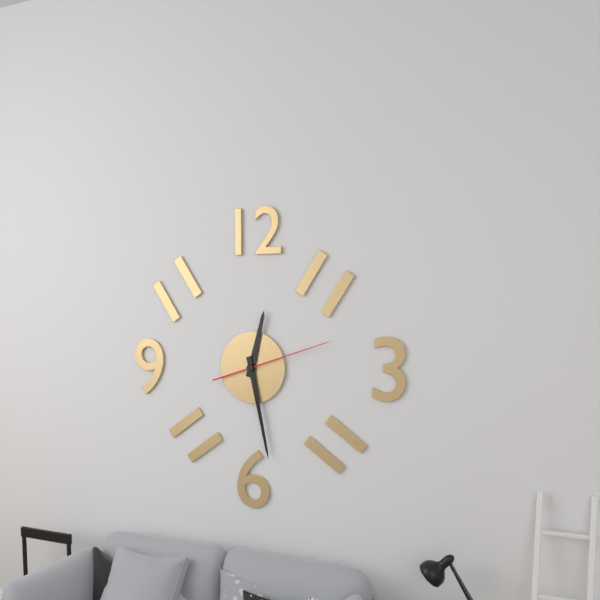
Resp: 12.28.12
